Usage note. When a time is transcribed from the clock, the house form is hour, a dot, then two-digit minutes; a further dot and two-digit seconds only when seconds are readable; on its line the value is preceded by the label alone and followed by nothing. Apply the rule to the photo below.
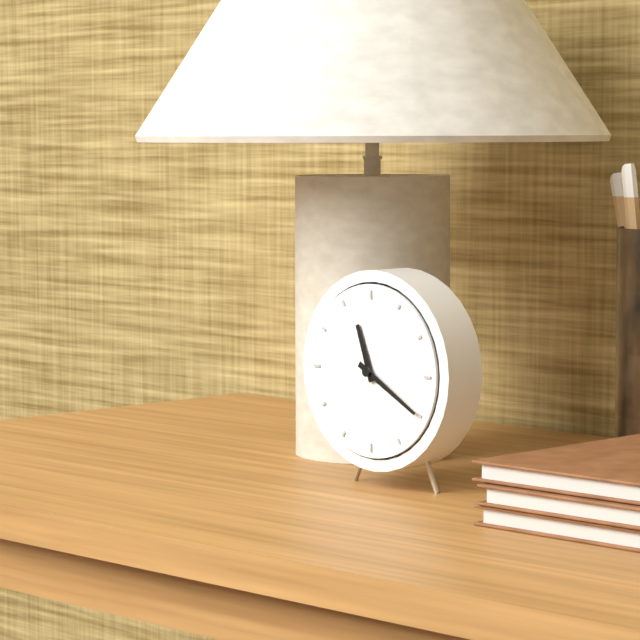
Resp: 11.20
